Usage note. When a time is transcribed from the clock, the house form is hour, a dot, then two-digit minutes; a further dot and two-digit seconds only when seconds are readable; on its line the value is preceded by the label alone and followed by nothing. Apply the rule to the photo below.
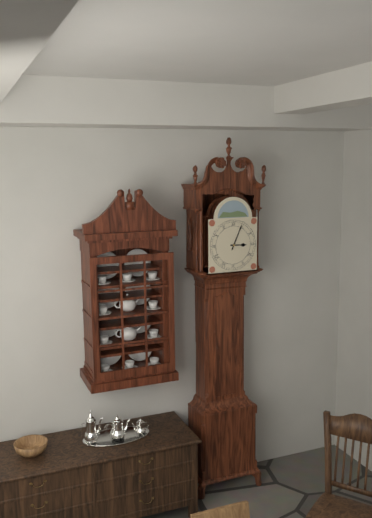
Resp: 3.04
